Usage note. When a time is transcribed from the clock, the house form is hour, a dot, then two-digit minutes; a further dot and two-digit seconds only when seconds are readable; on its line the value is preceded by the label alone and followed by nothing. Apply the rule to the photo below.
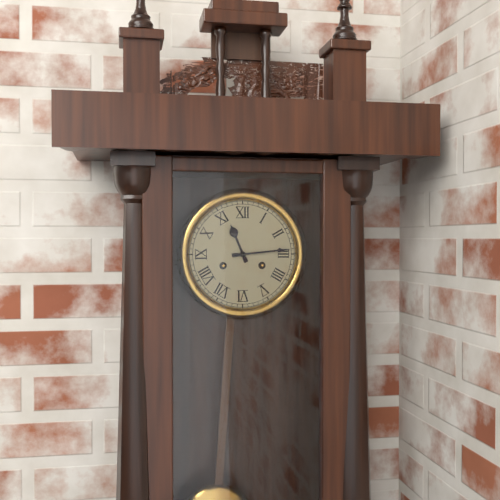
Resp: 11.14
